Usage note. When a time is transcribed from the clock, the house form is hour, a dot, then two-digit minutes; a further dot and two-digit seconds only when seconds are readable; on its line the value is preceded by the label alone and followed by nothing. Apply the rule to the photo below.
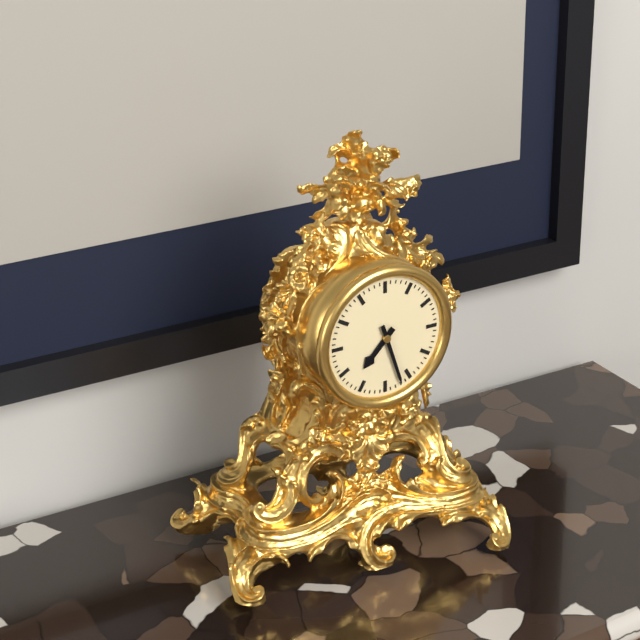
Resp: 7.27
